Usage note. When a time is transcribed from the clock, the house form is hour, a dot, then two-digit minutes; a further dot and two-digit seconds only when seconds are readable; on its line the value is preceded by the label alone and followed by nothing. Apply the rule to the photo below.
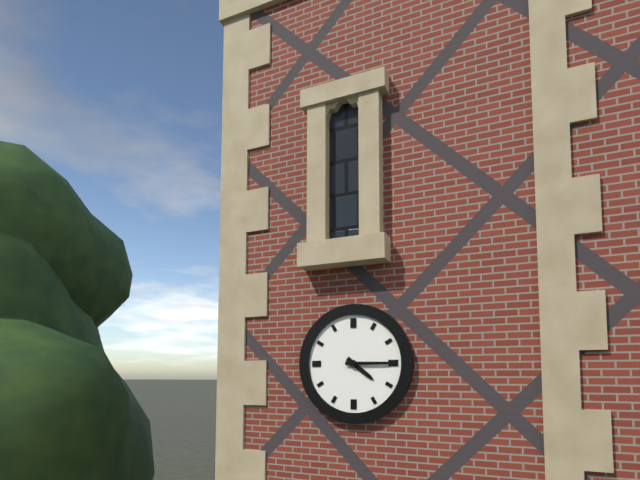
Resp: 4.15
